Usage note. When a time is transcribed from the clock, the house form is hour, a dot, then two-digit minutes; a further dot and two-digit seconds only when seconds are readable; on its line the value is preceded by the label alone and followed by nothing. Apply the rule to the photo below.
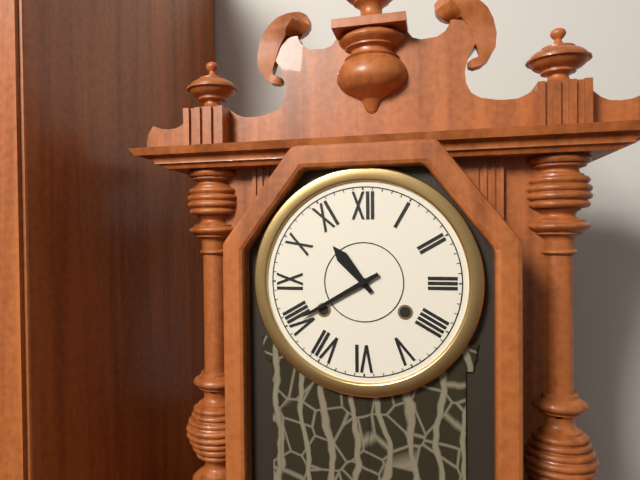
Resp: 10.40
